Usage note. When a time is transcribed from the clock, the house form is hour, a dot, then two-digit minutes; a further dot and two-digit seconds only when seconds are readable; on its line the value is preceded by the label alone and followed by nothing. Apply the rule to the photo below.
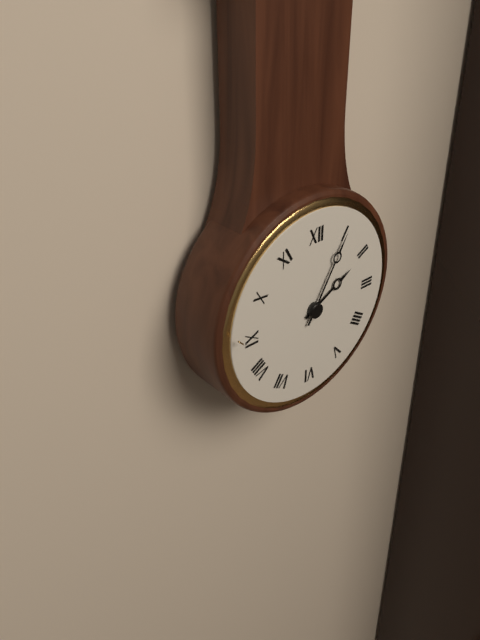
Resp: 2.05
